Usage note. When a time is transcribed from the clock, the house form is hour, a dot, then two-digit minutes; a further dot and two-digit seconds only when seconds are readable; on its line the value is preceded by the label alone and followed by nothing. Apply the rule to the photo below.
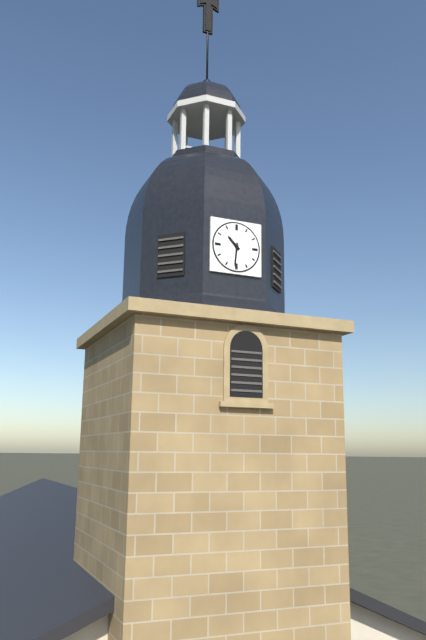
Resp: 10.31
